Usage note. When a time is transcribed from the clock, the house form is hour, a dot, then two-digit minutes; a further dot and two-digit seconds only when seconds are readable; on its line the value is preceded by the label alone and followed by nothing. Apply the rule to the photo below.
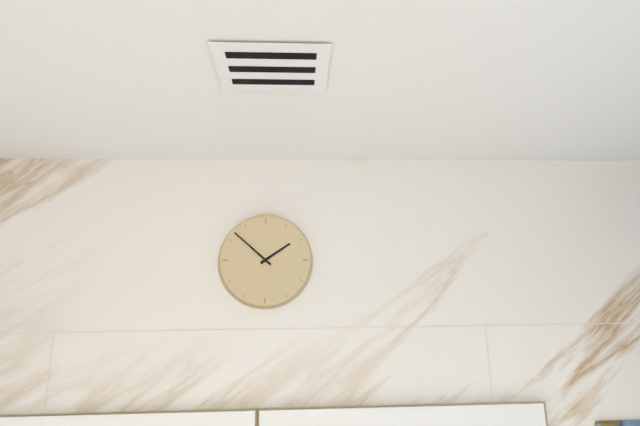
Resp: 1.52
